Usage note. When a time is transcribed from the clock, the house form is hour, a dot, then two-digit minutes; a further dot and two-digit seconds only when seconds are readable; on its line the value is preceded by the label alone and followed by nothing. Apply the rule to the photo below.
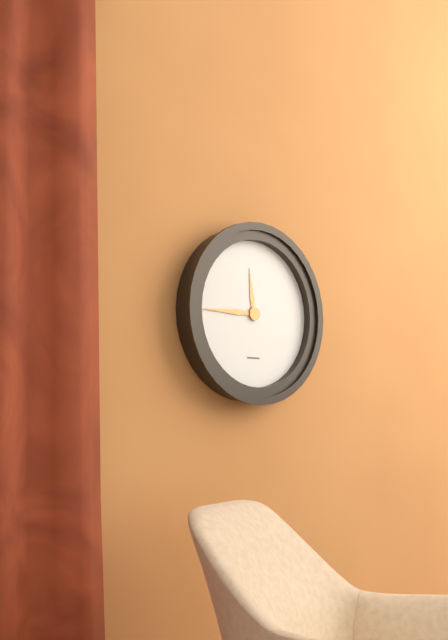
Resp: 11.45
